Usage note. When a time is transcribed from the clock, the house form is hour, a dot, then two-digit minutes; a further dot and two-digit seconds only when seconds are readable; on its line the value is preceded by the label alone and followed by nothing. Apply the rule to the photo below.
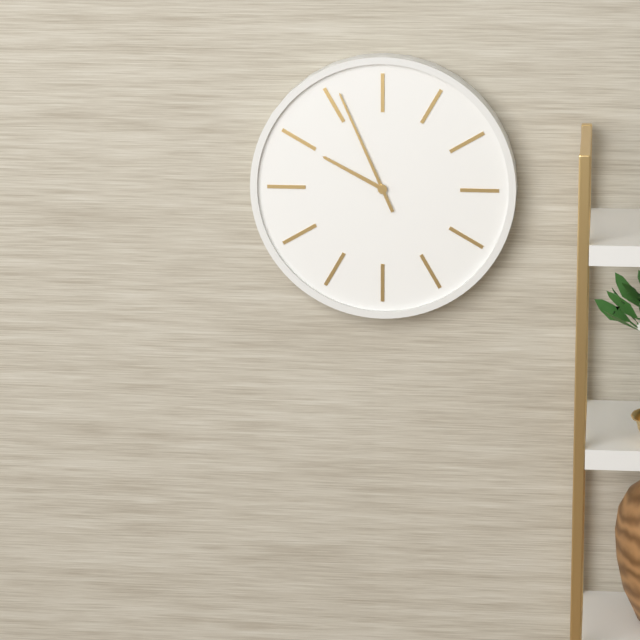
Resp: 9.56
